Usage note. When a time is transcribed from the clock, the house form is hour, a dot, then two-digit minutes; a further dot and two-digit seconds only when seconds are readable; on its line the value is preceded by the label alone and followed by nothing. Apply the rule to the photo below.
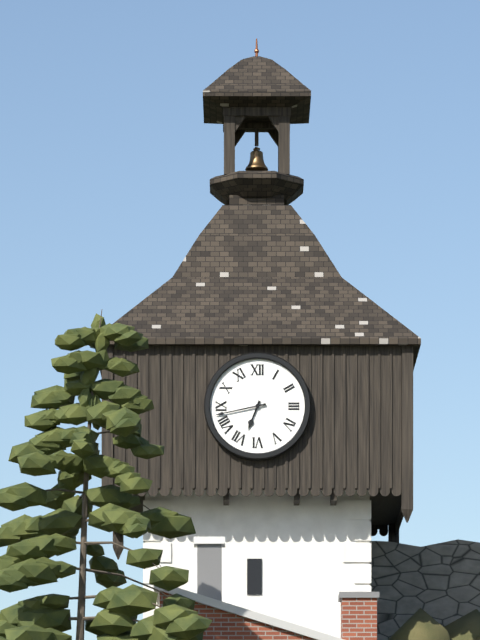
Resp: 6.43
